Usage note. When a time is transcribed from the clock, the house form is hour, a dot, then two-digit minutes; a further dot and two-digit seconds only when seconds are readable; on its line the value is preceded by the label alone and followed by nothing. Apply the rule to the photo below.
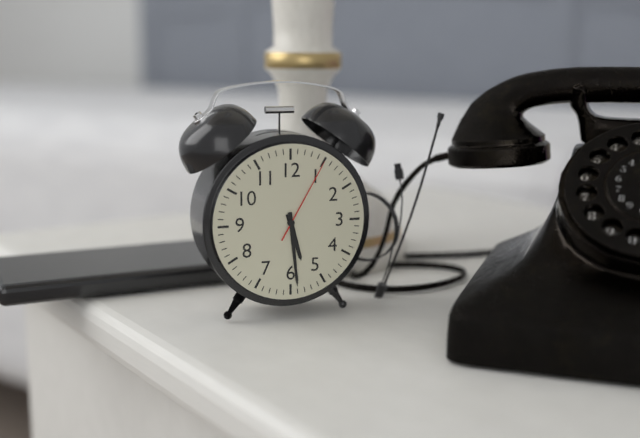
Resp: 5.29.05
